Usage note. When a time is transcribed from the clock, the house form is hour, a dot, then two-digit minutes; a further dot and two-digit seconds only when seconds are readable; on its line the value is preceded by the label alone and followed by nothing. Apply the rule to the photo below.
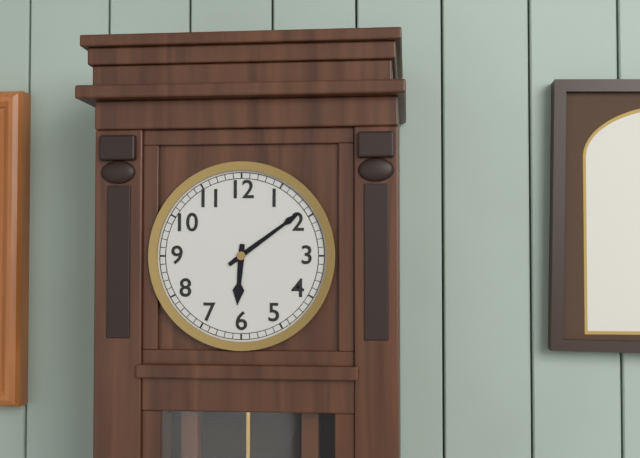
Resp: 6.09
